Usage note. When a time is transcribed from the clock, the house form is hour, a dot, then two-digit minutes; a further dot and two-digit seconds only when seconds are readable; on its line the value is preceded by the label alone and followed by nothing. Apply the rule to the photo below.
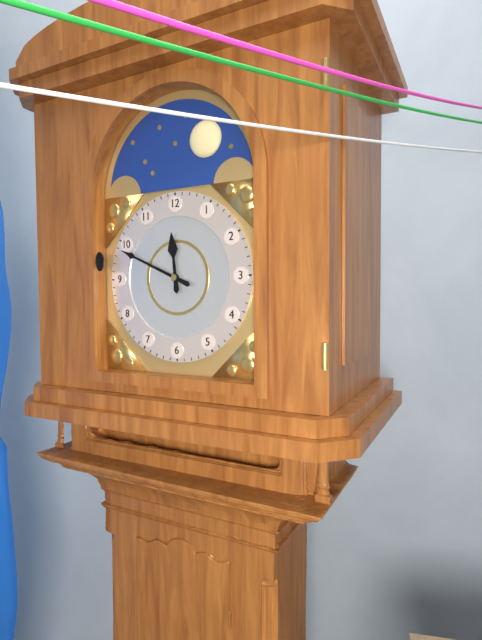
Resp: 11.49
